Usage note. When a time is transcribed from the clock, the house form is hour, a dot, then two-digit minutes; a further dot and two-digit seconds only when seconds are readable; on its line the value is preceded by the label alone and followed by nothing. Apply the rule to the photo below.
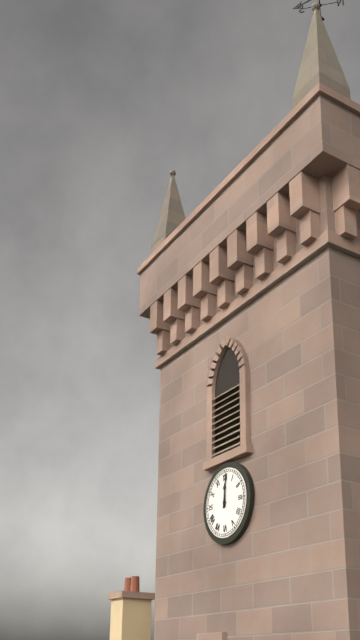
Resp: 12.01
